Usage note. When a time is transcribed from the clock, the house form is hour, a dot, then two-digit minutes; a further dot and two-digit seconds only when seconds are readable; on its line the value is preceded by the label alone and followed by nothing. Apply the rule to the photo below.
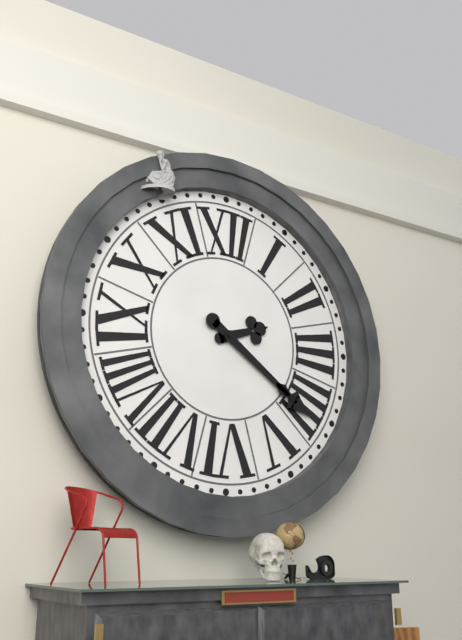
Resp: 2.21
